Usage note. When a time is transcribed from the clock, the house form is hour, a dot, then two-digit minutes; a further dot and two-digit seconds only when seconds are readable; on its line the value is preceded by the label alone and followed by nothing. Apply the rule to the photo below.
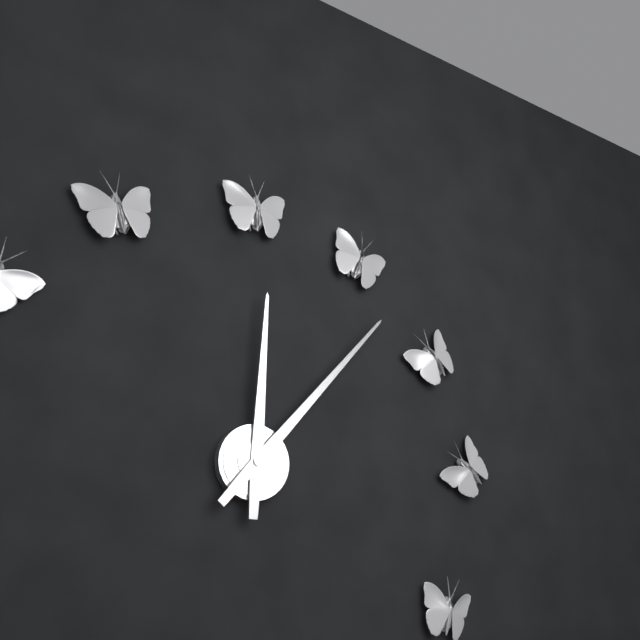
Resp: 12.07
